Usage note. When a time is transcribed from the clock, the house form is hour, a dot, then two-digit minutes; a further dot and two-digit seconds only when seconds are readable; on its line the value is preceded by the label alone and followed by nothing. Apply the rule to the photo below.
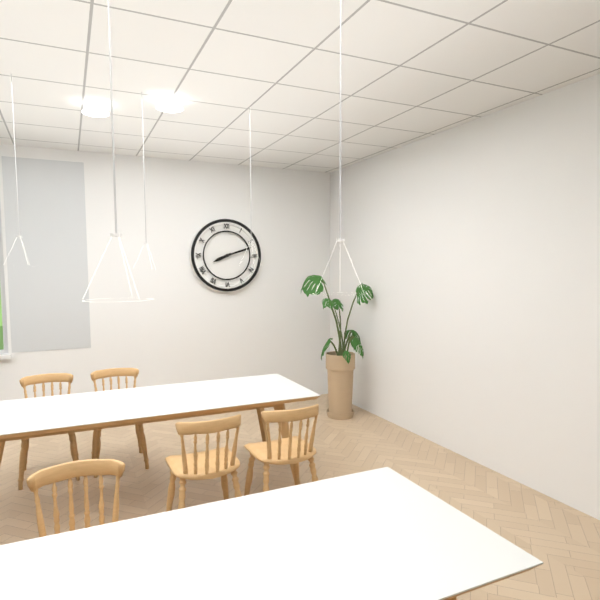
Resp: 8.12
